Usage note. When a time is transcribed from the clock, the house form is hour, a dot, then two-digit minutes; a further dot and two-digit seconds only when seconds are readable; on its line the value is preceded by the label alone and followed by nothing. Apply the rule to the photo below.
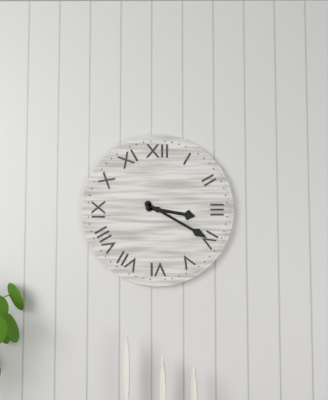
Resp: 3.20
